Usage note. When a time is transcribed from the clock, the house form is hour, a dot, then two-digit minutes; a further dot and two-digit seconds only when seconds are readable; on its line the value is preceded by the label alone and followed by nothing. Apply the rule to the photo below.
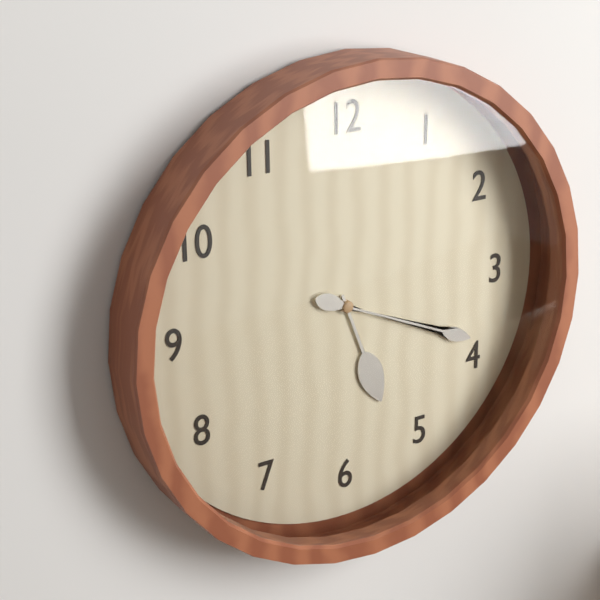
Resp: 5.19
